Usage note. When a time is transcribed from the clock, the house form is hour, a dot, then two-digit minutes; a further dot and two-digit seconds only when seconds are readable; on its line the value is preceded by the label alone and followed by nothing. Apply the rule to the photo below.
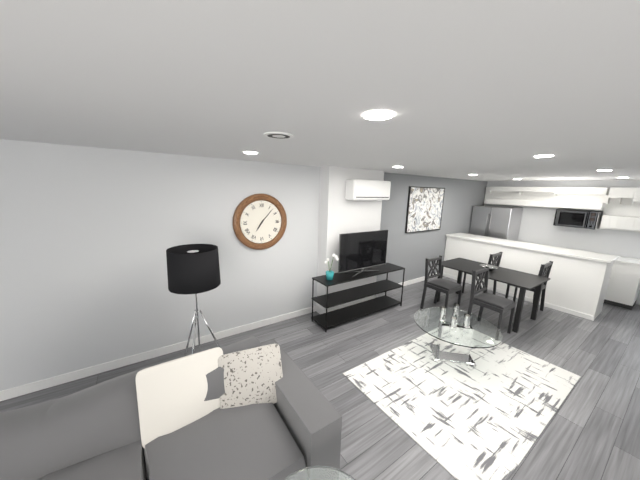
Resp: 7.07
